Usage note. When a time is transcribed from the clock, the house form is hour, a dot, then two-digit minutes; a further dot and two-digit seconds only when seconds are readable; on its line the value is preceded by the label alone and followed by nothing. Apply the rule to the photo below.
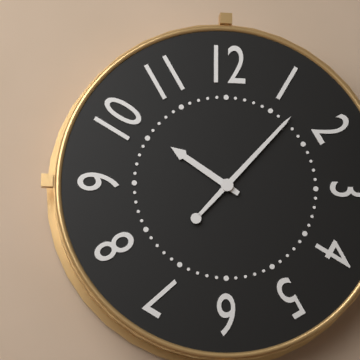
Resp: 10.07
